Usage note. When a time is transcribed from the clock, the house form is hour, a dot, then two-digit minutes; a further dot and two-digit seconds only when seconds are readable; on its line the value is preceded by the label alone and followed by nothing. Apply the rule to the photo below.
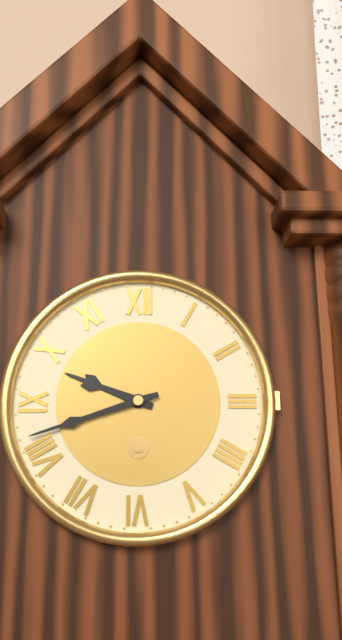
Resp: 9.42
